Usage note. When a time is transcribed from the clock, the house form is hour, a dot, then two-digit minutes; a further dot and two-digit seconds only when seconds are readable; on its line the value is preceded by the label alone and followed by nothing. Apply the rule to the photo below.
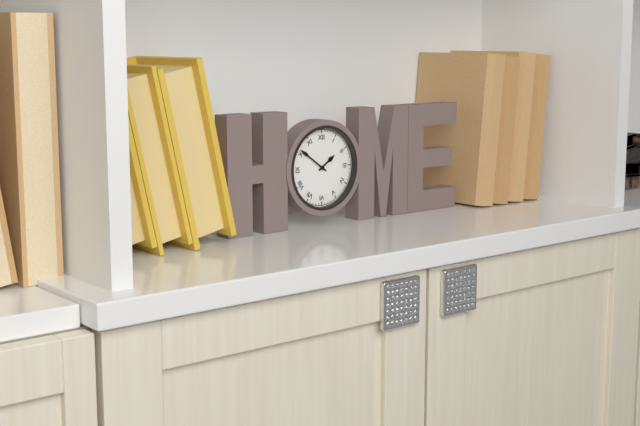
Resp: 1.51
